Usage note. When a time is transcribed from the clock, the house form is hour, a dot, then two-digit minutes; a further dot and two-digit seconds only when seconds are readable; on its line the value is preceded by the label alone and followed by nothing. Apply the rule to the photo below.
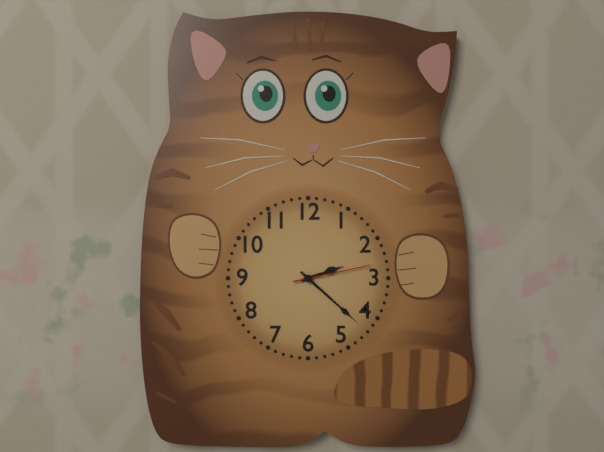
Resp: 2.22.13
